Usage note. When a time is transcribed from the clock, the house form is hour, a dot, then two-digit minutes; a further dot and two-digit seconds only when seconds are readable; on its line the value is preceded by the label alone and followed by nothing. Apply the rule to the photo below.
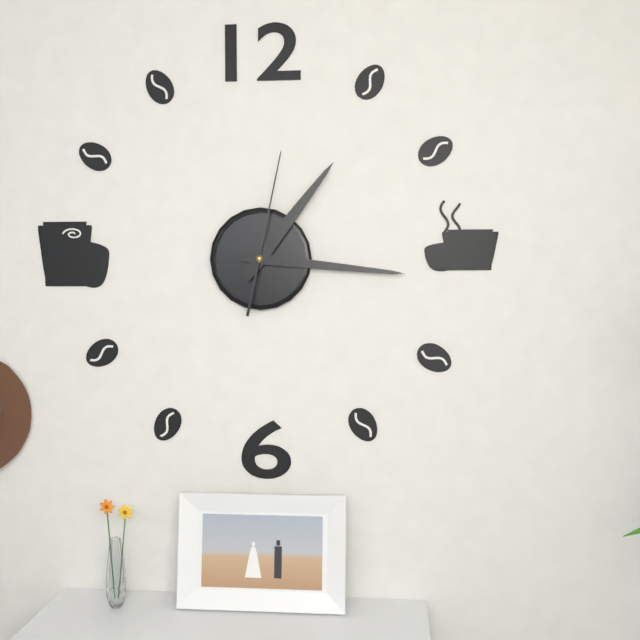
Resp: 1.16.02
